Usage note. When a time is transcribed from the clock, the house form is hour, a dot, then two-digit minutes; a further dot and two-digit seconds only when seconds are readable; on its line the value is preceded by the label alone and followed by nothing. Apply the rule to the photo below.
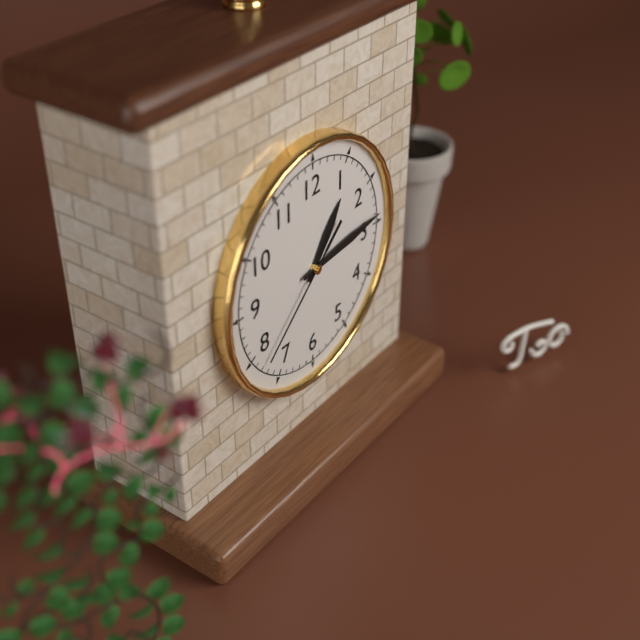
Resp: 1.14.38
